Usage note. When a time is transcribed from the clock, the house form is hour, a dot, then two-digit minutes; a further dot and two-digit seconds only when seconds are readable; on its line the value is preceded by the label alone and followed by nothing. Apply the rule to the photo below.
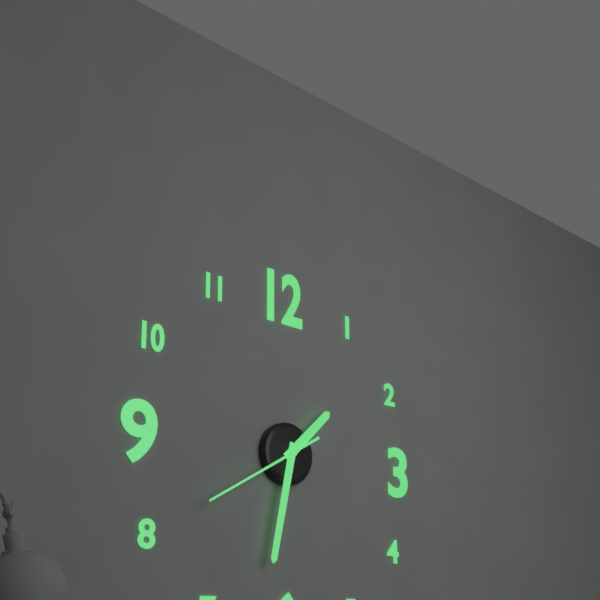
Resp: 1.32.40
